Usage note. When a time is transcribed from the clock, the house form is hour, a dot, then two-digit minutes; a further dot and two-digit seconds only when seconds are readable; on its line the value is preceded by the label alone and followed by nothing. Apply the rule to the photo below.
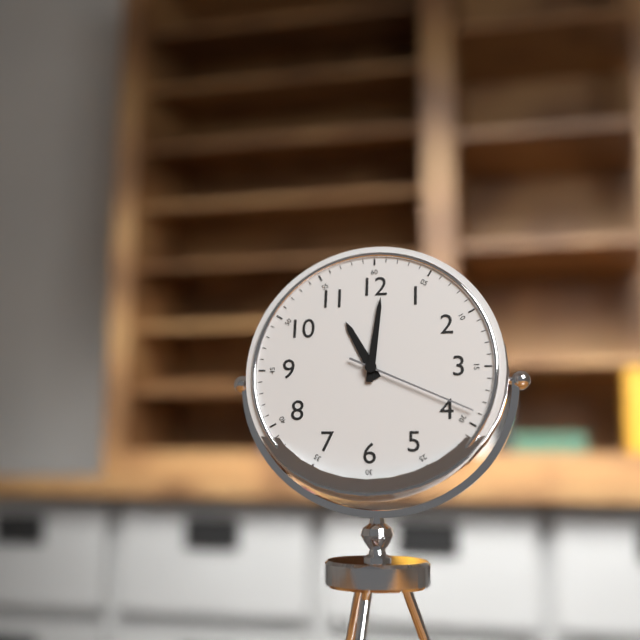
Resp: 11.01.19
